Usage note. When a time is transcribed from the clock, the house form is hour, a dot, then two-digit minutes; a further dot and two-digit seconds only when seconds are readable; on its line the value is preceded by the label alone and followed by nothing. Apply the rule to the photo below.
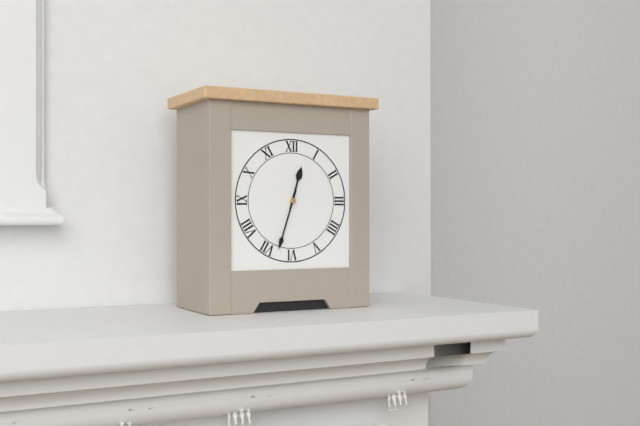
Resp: 12.33
